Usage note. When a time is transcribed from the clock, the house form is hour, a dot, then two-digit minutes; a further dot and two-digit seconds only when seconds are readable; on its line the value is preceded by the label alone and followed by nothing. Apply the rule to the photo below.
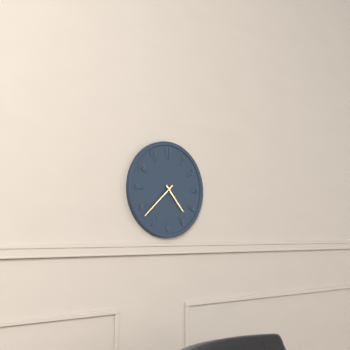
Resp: 4.38
